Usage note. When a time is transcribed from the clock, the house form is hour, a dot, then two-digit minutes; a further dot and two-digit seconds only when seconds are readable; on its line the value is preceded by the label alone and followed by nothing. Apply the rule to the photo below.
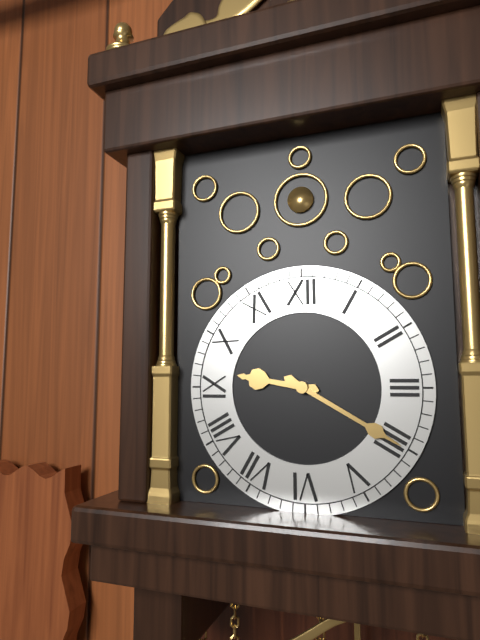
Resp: 9.20
